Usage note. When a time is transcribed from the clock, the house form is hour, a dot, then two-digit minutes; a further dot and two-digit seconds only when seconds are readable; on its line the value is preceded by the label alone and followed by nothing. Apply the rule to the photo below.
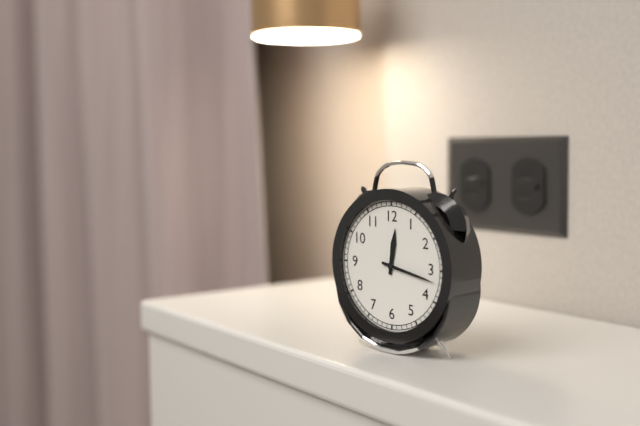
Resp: 12.17
